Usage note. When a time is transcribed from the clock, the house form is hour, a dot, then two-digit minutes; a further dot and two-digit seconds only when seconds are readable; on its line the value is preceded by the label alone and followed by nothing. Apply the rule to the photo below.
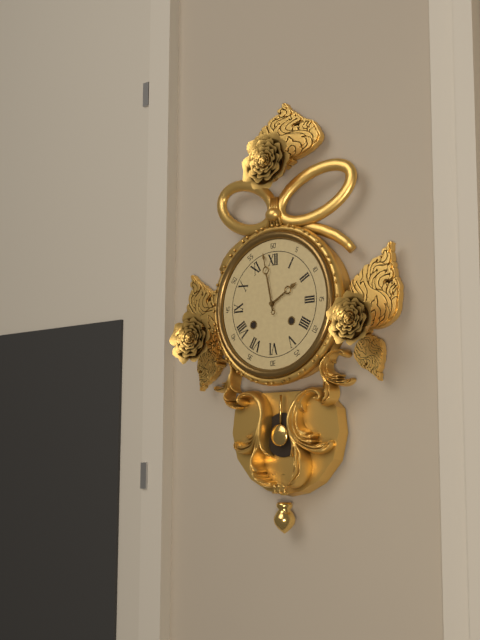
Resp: 1.58
